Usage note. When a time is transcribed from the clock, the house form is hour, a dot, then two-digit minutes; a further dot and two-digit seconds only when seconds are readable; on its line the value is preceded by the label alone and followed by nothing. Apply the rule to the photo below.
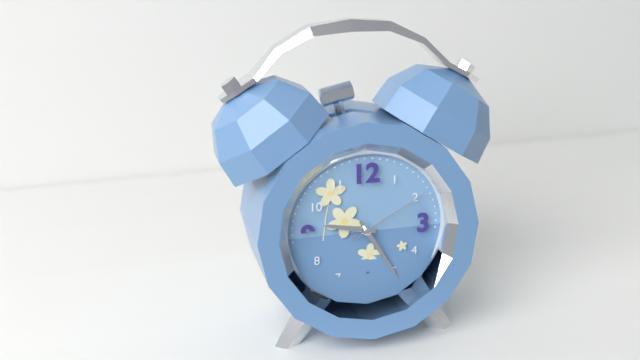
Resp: 9.25.10
